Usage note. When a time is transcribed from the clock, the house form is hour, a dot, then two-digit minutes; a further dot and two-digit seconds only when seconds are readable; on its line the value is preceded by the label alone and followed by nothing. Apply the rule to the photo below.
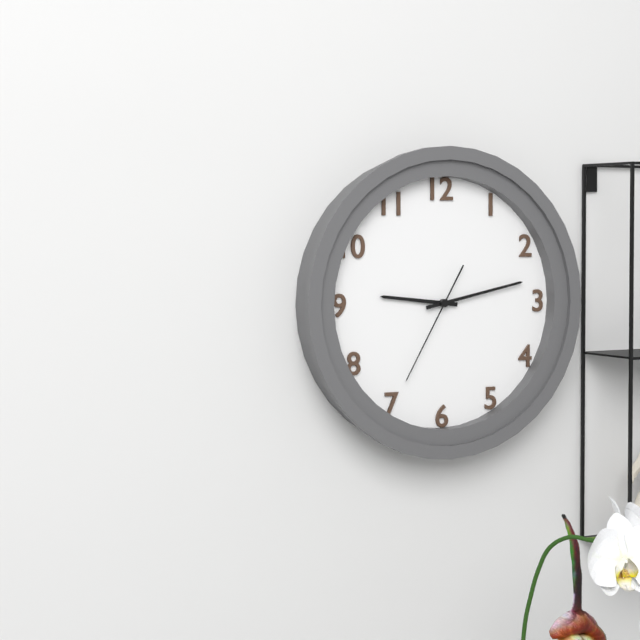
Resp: 9.13.35
